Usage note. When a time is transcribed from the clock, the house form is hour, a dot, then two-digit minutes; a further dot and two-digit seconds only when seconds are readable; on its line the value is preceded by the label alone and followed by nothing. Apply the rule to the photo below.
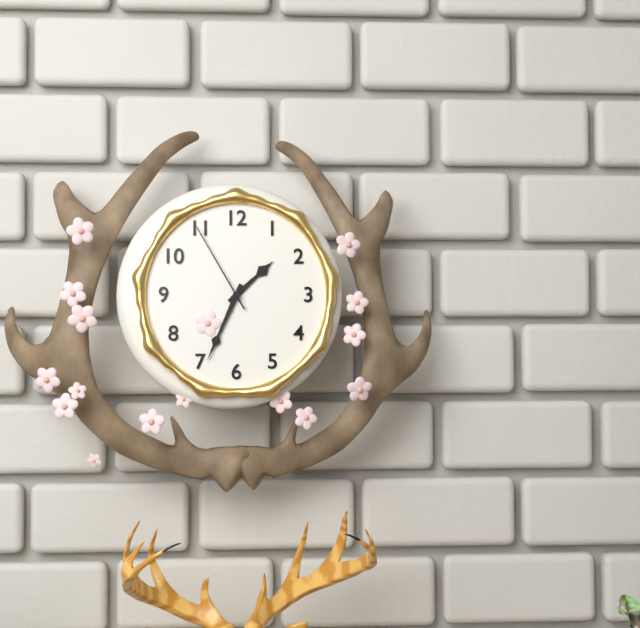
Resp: 1.34.55
